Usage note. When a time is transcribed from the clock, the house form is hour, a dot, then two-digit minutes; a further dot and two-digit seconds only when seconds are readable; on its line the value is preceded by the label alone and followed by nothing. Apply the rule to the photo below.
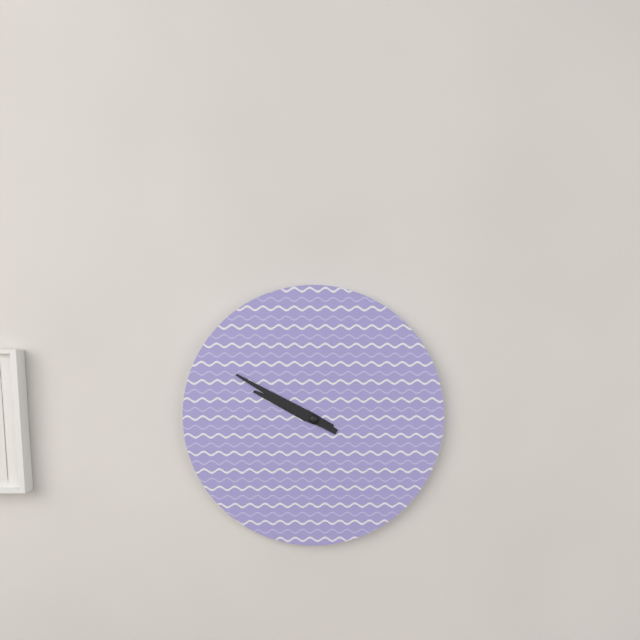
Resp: 9.50
